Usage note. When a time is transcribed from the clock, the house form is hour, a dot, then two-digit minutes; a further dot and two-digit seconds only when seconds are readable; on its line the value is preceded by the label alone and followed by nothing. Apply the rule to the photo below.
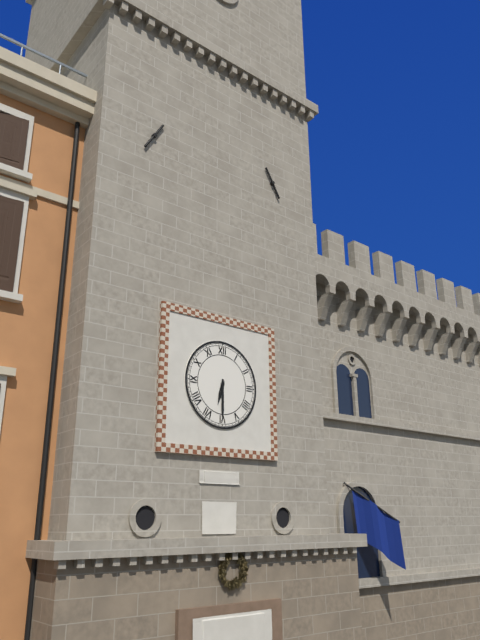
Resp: 6.30
